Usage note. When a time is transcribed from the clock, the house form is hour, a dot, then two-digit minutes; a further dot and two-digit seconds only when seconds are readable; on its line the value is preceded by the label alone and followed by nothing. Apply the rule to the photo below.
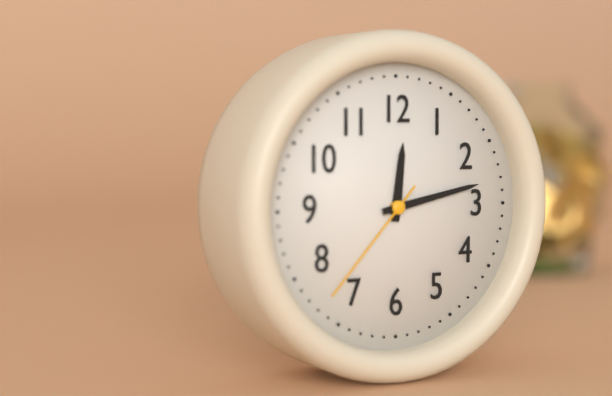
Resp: 12.13.37
